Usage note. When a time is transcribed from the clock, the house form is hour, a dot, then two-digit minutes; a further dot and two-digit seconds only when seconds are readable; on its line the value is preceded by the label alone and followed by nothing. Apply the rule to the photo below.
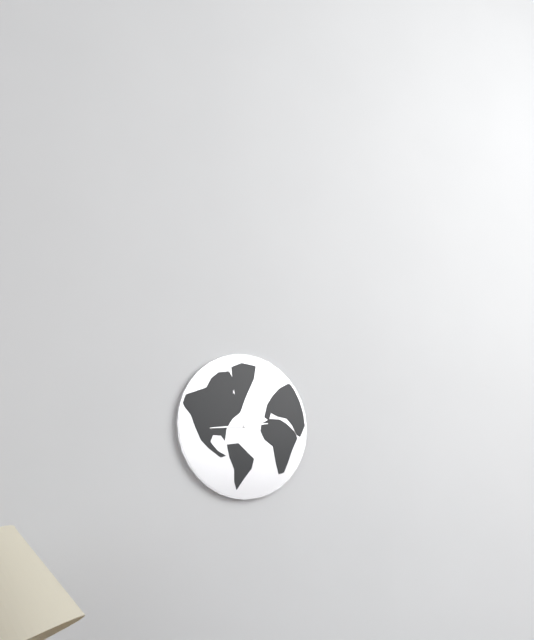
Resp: 2.44
